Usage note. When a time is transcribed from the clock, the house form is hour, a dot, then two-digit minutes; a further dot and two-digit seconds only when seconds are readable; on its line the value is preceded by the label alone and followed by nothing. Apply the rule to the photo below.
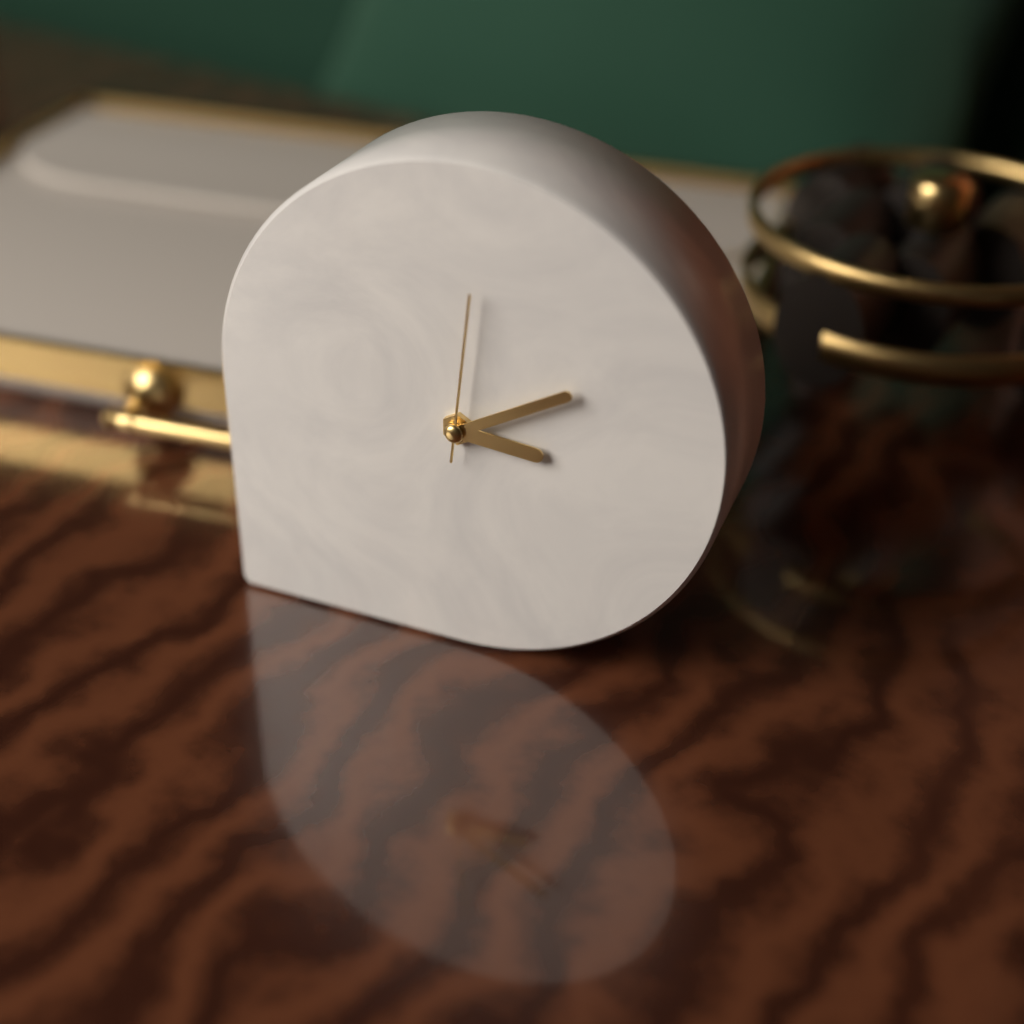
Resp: 3.10.01
